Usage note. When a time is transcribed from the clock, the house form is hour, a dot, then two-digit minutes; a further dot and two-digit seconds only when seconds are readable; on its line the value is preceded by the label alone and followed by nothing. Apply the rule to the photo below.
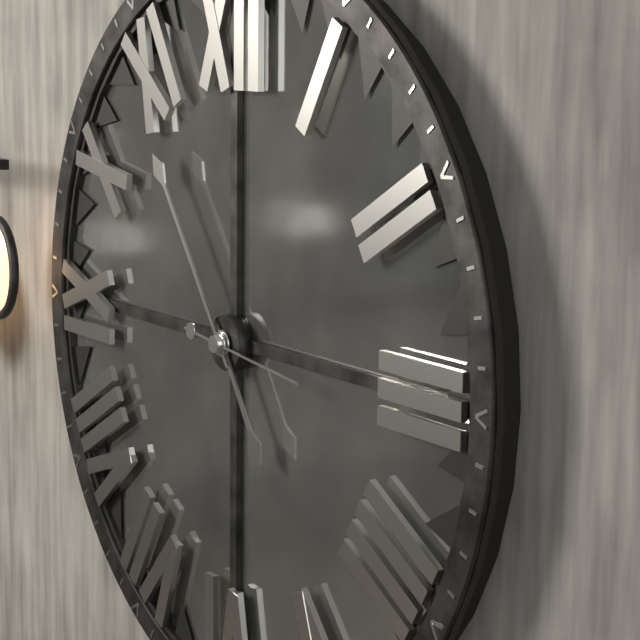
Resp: 4.54.16
